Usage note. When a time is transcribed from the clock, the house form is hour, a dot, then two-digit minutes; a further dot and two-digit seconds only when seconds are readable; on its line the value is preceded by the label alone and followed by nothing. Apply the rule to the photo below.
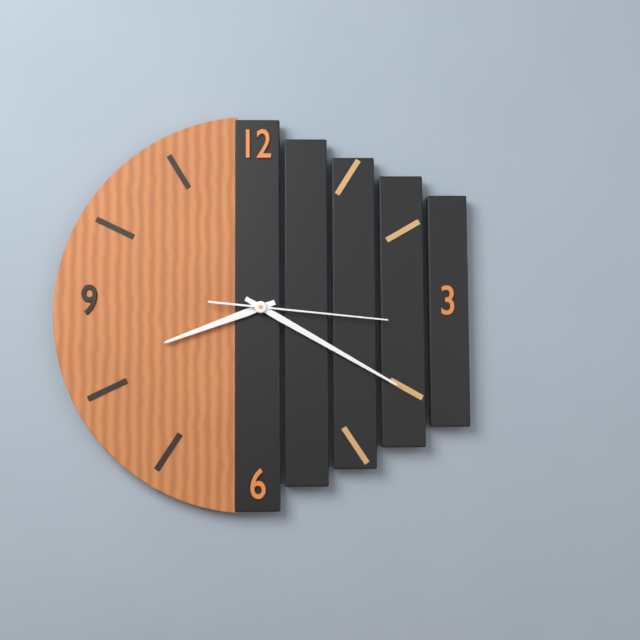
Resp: 8.20.16
